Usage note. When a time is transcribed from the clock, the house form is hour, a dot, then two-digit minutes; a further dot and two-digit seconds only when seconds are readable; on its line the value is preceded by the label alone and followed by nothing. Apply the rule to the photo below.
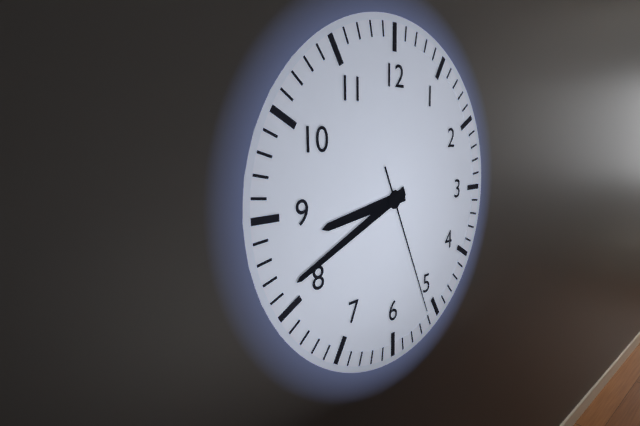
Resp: 8.41.26
